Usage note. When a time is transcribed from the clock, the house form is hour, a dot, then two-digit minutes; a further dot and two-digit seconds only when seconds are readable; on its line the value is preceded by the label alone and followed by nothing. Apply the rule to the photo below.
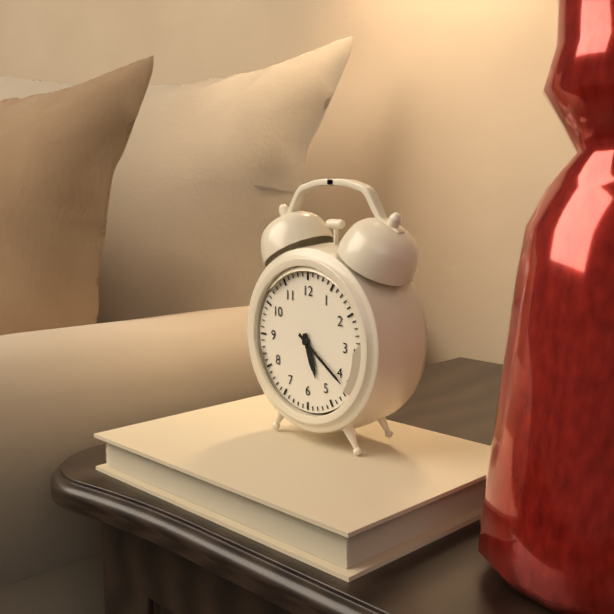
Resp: 5.21
